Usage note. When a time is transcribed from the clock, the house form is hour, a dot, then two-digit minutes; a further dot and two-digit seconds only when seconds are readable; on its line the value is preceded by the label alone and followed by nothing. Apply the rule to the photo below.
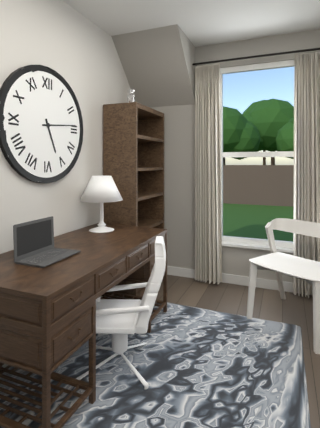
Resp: 5.14
